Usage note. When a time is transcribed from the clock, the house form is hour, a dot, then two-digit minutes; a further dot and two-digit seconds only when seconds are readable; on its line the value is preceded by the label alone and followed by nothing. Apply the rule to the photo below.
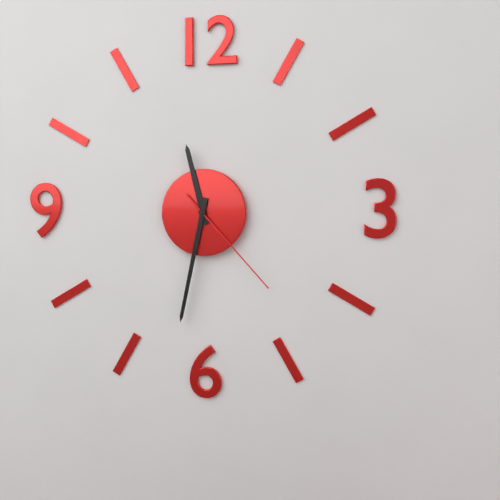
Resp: 11.32.23
